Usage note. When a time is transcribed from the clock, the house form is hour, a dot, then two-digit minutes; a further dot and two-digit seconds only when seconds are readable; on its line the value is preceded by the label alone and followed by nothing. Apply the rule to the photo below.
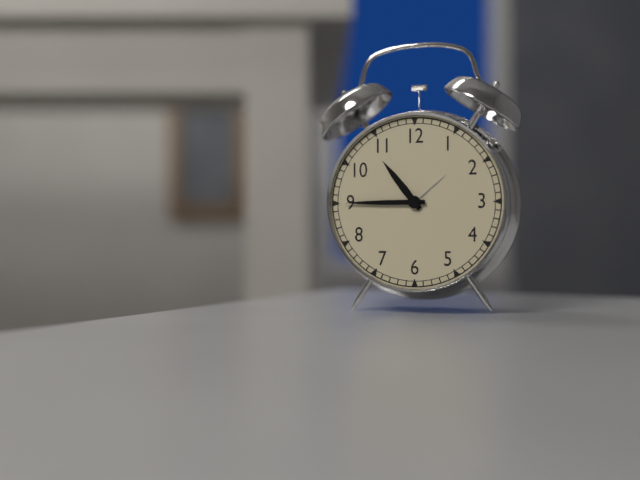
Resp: 10.45
